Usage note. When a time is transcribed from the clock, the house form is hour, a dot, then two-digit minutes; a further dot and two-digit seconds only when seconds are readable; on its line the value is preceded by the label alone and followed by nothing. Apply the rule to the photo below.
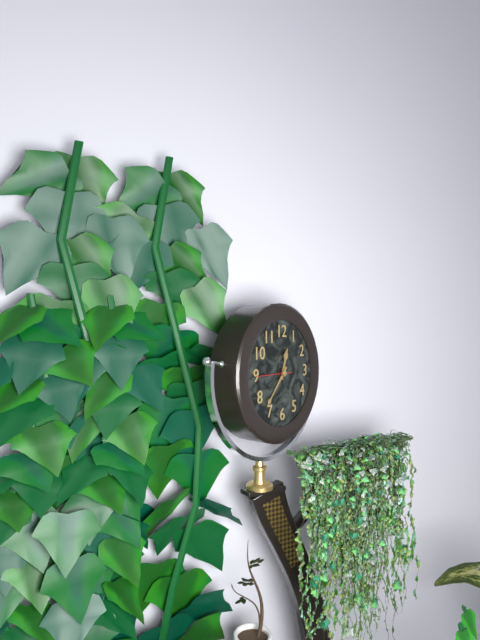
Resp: 12.37
